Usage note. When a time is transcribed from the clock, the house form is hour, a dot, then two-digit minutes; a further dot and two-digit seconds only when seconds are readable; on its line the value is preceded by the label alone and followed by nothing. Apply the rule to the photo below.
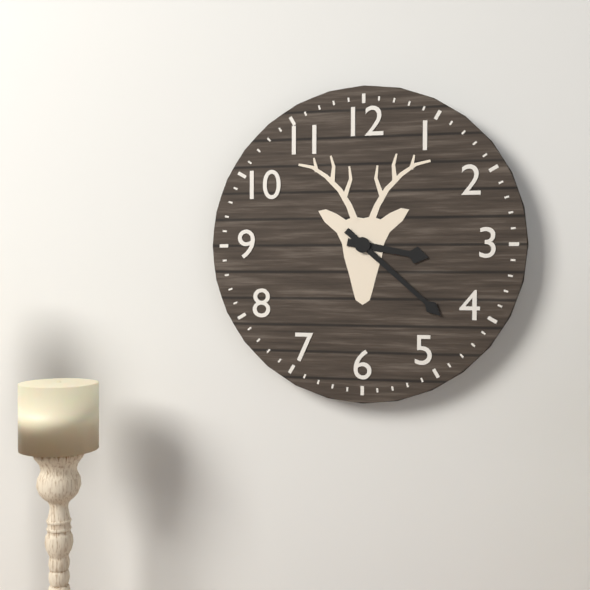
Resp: 3.22
